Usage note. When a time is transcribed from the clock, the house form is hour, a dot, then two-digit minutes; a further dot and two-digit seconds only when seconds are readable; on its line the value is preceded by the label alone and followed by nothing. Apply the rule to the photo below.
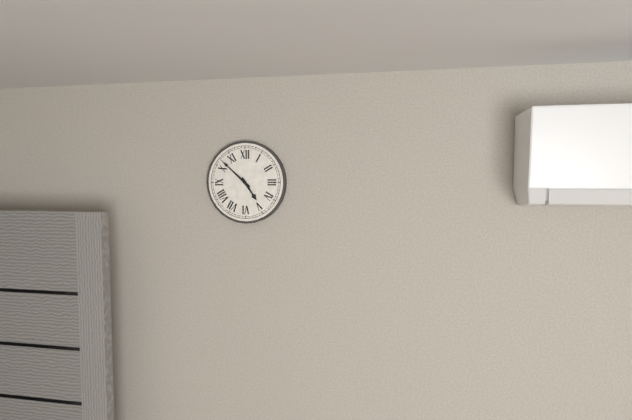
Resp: 4.52
